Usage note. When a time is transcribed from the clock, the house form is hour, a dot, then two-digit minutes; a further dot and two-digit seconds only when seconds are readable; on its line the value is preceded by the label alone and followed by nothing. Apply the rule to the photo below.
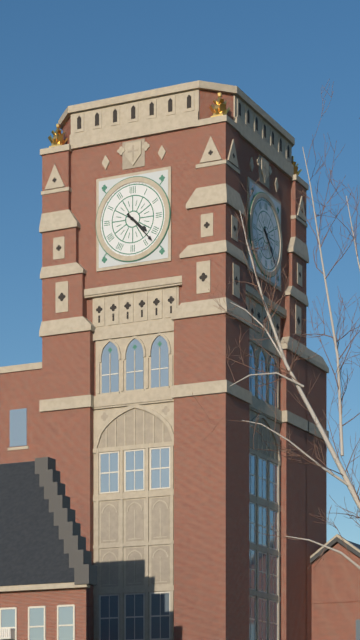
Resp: 4.23
